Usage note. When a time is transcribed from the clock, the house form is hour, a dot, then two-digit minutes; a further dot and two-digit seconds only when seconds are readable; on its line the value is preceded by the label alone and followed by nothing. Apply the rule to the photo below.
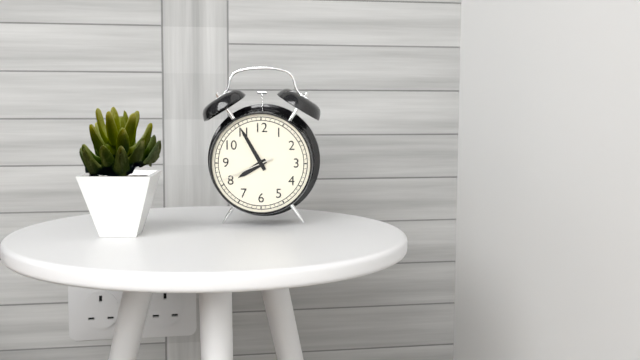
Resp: 7.55.41
